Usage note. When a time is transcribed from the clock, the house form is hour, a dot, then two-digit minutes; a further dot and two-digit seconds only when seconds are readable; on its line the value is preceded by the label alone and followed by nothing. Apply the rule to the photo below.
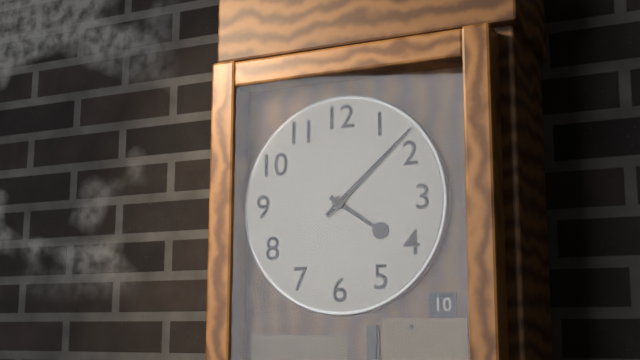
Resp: 4.08
